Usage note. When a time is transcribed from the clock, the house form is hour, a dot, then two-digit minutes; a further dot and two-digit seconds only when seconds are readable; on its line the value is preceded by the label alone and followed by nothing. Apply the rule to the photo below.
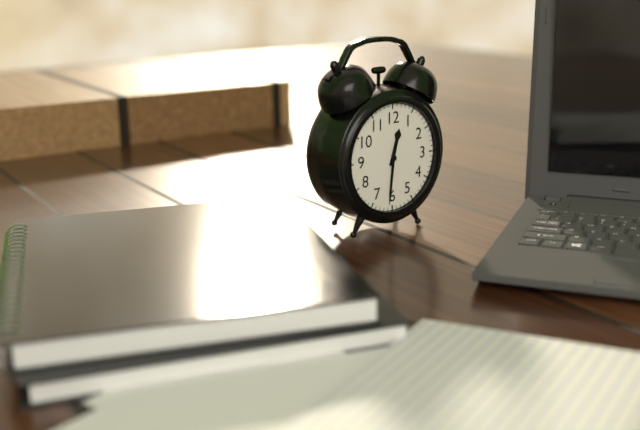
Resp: 12.31
